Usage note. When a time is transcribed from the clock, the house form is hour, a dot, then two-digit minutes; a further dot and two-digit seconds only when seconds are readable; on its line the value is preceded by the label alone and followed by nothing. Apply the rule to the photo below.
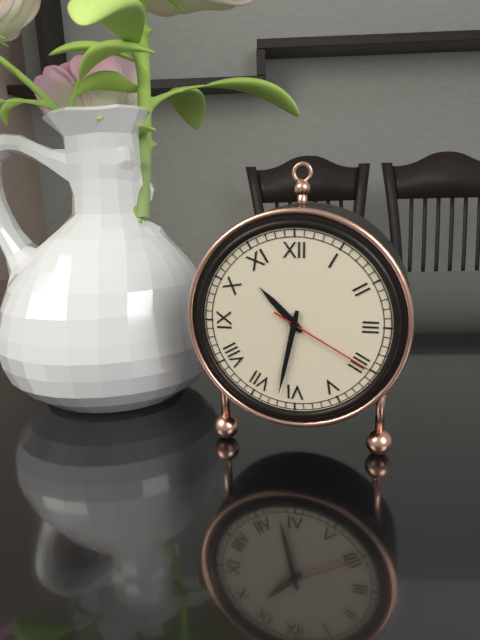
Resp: 10.32.20
